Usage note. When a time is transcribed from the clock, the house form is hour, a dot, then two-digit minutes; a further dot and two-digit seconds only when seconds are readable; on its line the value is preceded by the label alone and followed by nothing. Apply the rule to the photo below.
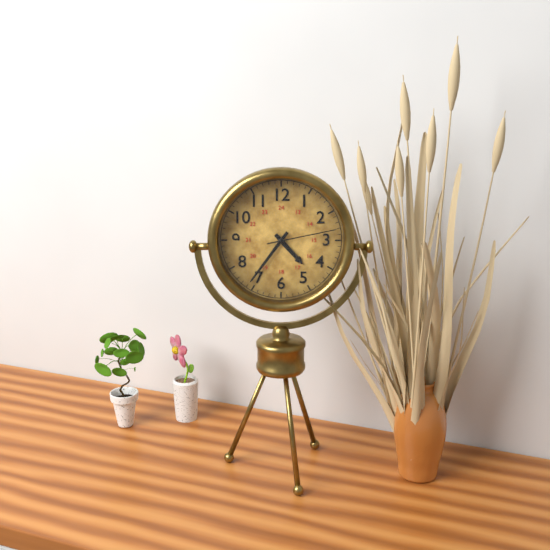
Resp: 4.36.13
